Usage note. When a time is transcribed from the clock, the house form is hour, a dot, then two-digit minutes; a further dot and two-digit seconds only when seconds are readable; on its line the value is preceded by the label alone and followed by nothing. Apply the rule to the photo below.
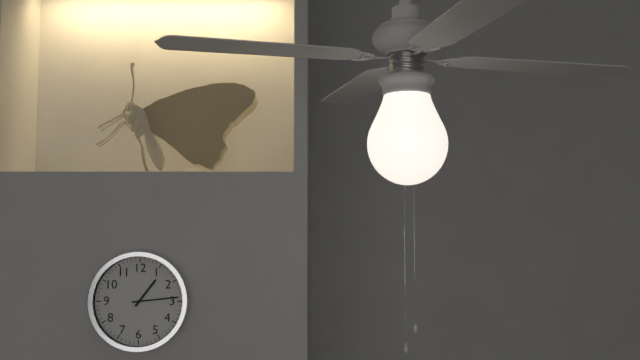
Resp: 1.14
